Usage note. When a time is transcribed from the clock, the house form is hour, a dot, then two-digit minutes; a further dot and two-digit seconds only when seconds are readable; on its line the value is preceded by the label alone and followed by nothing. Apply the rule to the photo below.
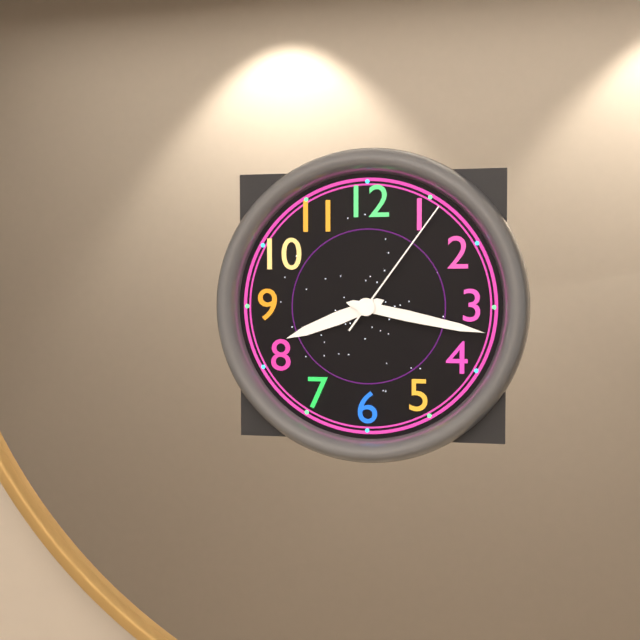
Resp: 8.17.06
